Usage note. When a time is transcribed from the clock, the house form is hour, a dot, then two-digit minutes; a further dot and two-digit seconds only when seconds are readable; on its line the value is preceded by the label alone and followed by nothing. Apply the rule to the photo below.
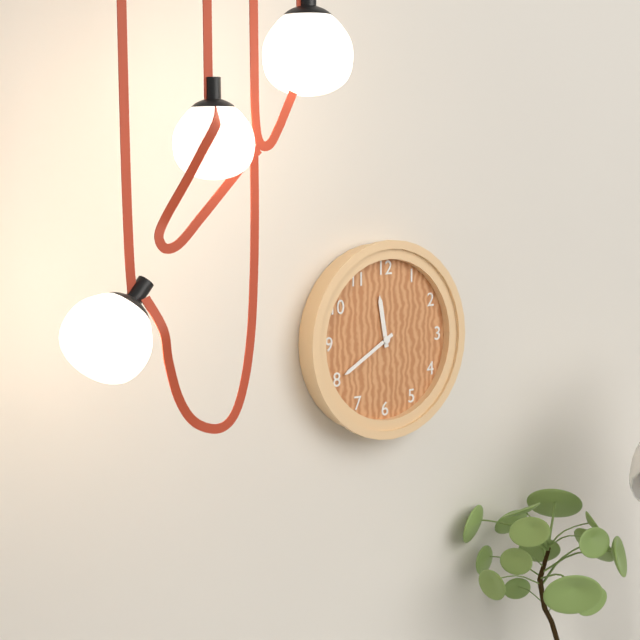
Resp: 11.40
